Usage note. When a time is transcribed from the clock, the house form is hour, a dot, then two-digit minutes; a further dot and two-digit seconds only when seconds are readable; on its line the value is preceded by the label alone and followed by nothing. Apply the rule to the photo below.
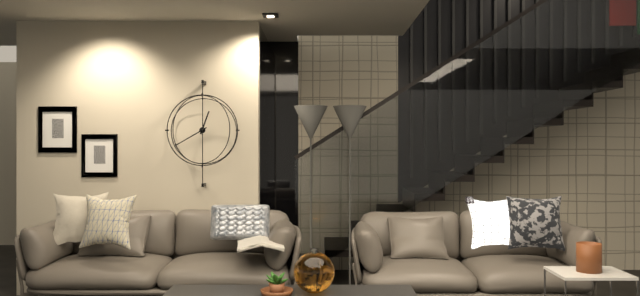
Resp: 12.40
